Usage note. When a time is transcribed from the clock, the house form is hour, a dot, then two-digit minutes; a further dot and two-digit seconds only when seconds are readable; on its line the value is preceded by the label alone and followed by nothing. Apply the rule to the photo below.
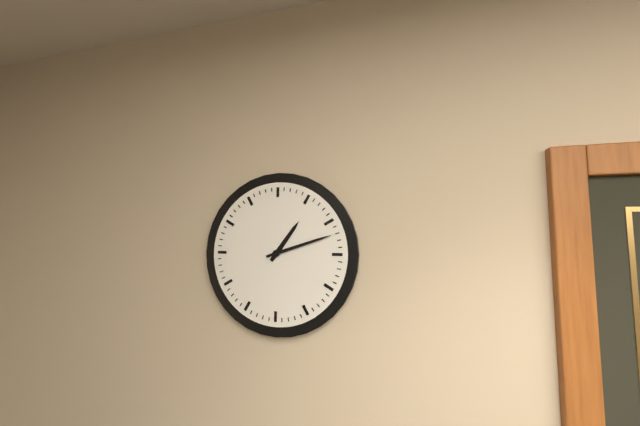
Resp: 1.12
